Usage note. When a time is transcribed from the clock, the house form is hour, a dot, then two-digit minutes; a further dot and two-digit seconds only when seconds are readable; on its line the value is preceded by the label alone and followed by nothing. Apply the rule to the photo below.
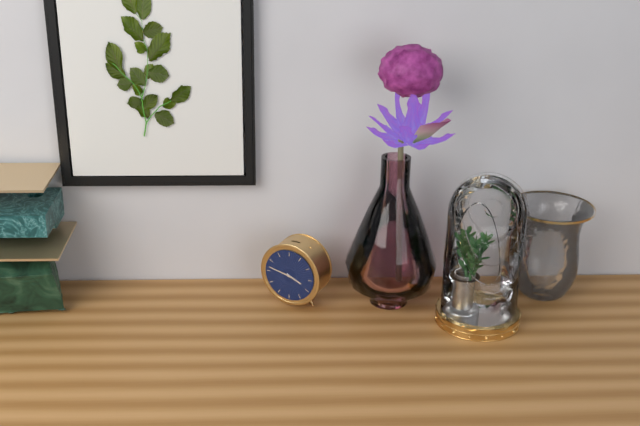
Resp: 3.47
